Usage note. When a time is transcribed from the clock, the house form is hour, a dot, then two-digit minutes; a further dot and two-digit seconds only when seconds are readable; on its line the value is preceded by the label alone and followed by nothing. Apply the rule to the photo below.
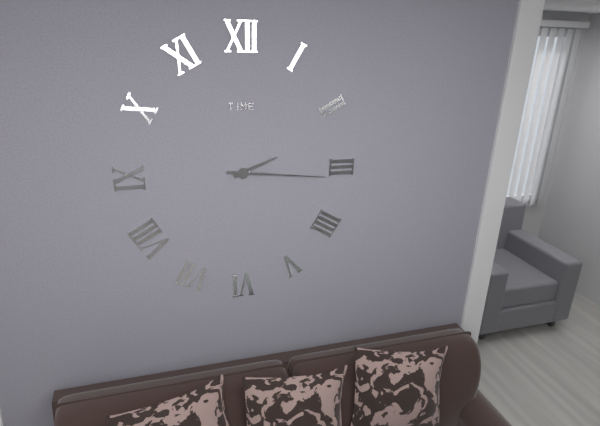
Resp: 2.16
